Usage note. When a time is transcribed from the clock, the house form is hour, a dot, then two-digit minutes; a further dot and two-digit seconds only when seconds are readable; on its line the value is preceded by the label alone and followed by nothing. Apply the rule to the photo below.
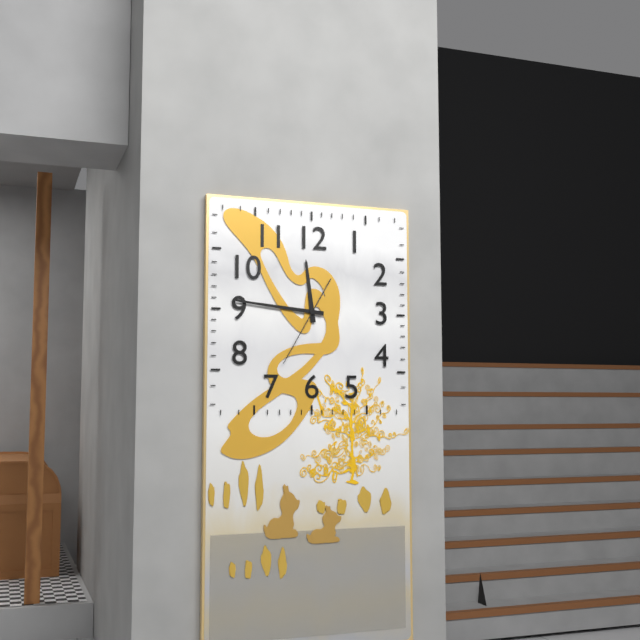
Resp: 11.46.35
